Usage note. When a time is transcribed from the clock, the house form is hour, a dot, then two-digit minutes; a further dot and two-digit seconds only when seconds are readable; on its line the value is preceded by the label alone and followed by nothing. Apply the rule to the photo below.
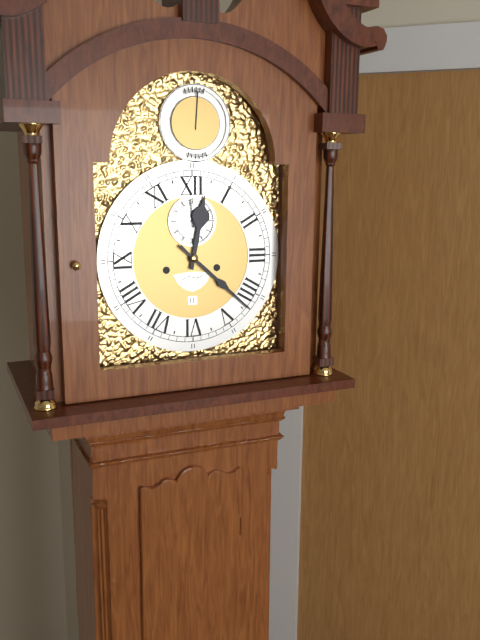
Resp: 12.22
